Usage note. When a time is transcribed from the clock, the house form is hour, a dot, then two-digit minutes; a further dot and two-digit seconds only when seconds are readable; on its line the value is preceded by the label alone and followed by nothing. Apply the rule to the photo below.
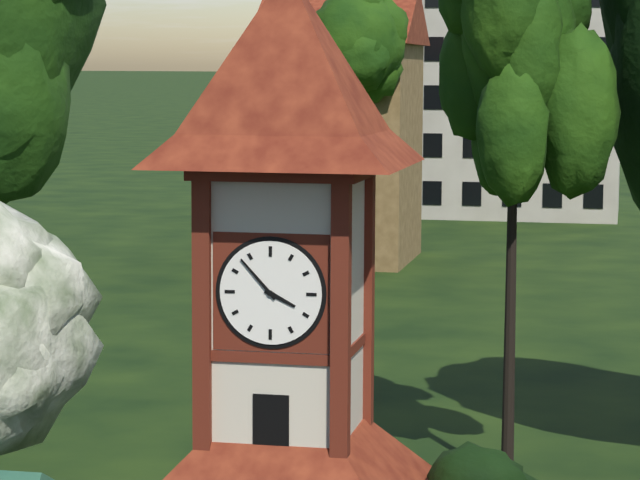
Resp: 3.53
